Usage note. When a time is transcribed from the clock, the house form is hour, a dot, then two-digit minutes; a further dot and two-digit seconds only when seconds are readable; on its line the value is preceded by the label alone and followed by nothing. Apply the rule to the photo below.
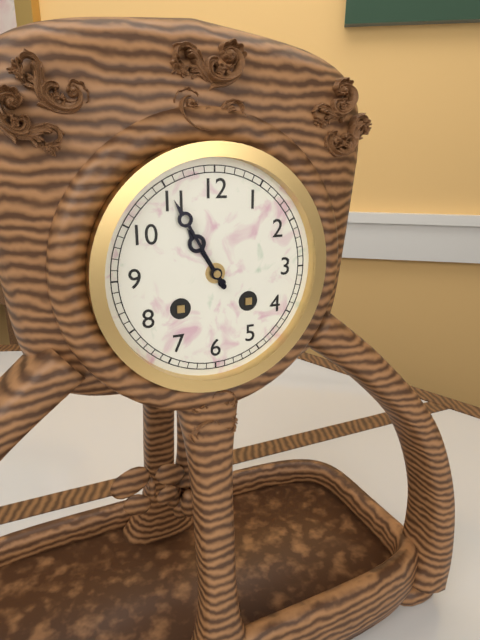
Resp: 10.55
